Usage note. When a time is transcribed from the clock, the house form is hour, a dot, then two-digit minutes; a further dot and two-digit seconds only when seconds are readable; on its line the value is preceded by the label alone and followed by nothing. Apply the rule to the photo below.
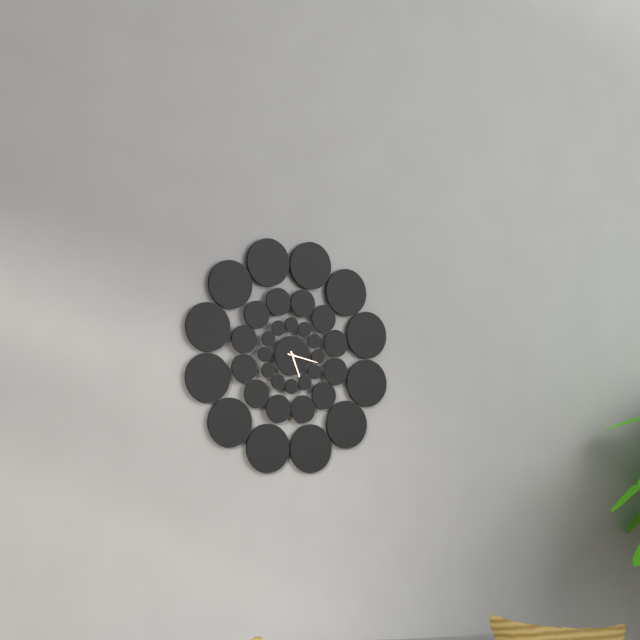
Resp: 5.17
